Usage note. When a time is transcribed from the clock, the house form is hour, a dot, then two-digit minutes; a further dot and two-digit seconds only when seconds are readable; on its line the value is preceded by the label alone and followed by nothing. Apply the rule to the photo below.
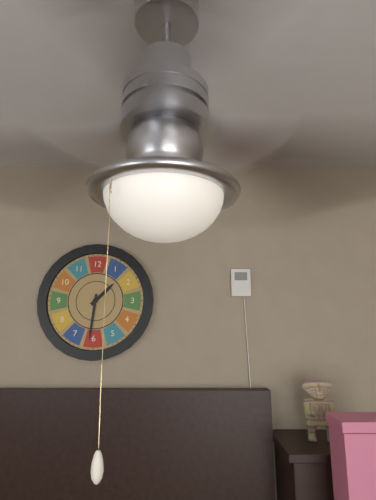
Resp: 1.31
